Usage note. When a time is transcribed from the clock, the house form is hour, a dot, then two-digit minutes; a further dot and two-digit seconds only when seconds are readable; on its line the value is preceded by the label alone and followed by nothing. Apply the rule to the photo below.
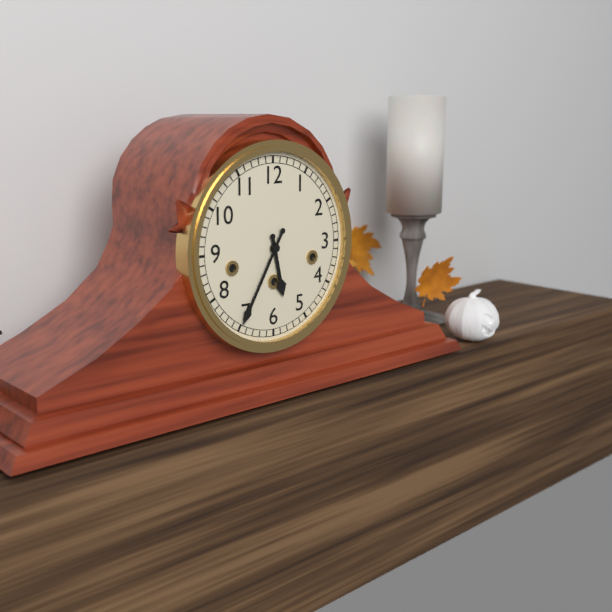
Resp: 5.35
